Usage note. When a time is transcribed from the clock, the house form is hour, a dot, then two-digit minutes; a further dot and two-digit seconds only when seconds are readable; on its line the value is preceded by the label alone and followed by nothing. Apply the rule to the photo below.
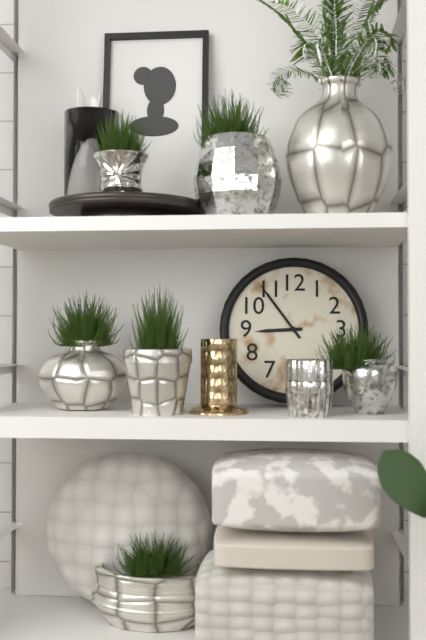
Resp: 8.54
